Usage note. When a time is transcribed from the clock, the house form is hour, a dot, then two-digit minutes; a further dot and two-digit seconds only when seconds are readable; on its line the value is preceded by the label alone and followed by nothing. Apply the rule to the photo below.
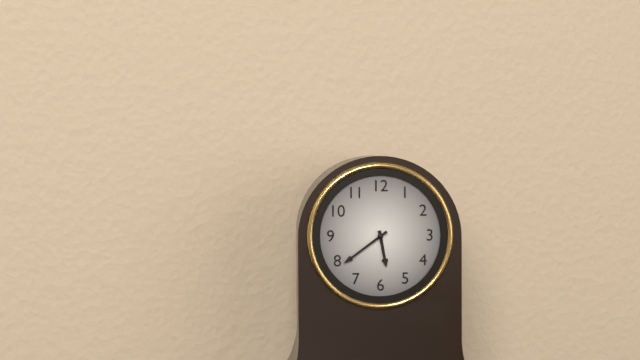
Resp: 5.39
